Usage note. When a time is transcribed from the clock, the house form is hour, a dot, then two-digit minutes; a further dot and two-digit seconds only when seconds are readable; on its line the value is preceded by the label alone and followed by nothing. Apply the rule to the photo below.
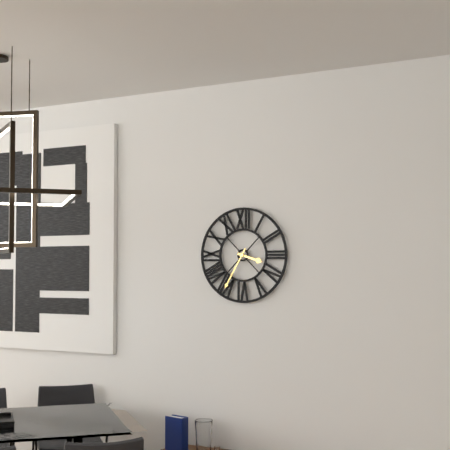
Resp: 3.35
